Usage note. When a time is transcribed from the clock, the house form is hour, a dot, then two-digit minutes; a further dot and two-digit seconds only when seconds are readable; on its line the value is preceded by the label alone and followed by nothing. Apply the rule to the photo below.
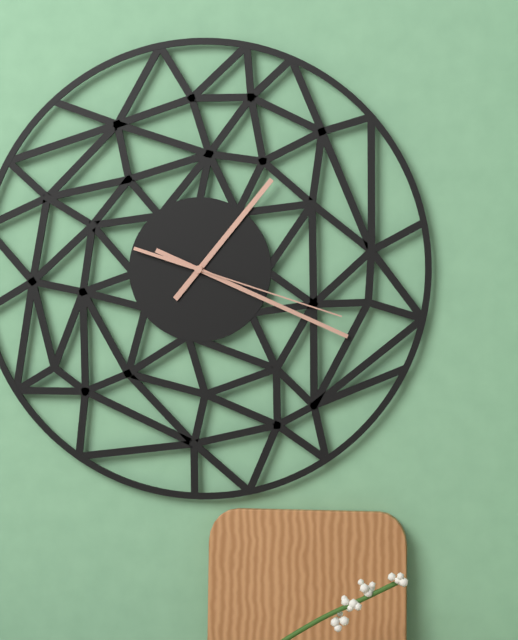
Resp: 1.19.18
